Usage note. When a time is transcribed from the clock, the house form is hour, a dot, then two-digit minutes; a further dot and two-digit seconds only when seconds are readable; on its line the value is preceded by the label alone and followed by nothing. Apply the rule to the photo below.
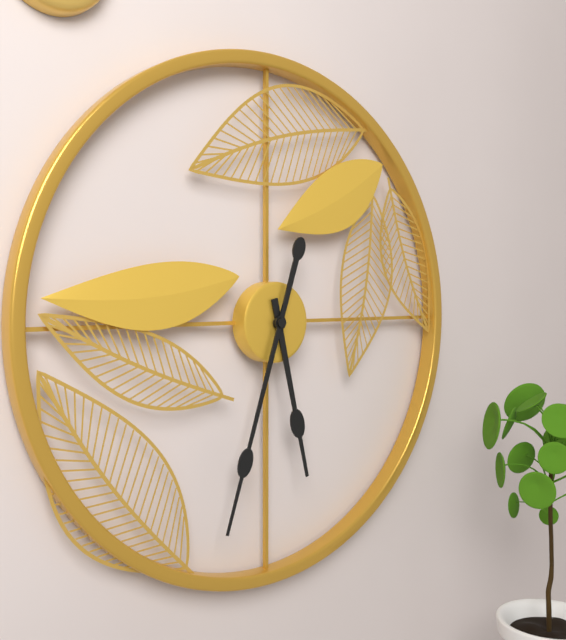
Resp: 5.33
